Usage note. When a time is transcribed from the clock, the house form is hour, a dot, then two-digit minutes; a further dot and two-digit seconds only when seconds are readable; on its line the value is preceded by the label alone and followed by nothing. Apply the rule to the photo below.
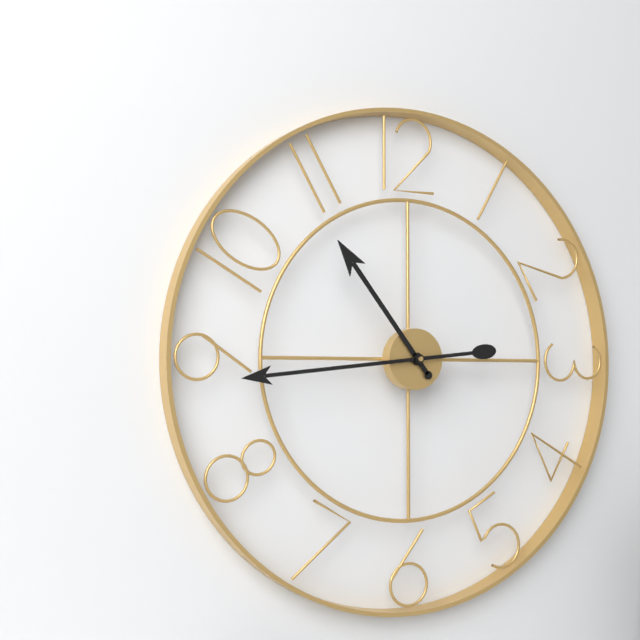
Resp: 10.44
